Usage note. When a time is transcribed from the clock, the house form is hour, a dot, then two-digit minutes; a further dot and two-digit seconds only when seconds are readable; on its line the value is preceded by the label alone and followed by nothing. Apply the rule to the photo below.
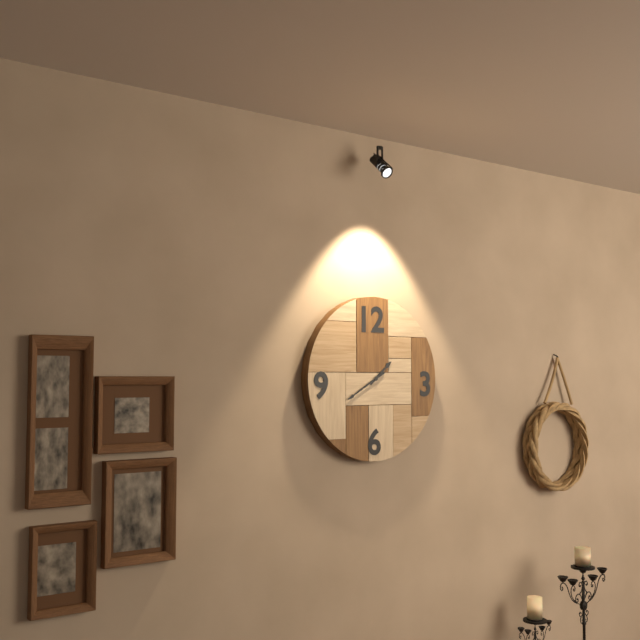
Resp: 1.40
